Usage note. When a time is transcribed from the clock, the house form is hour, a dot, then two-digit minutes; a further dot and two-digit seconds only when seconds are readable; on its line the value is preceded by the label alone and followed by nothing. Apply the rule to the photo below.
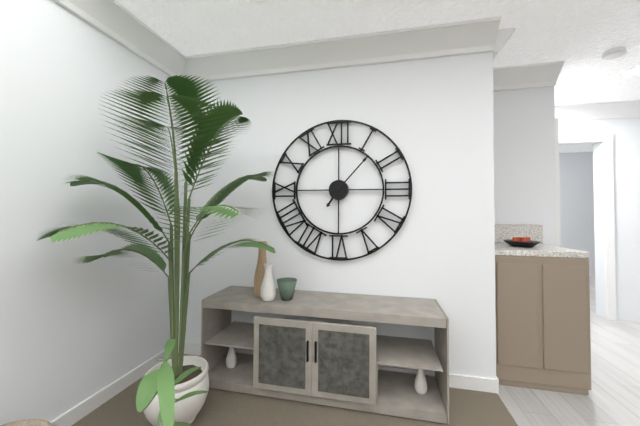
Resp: 7.07
